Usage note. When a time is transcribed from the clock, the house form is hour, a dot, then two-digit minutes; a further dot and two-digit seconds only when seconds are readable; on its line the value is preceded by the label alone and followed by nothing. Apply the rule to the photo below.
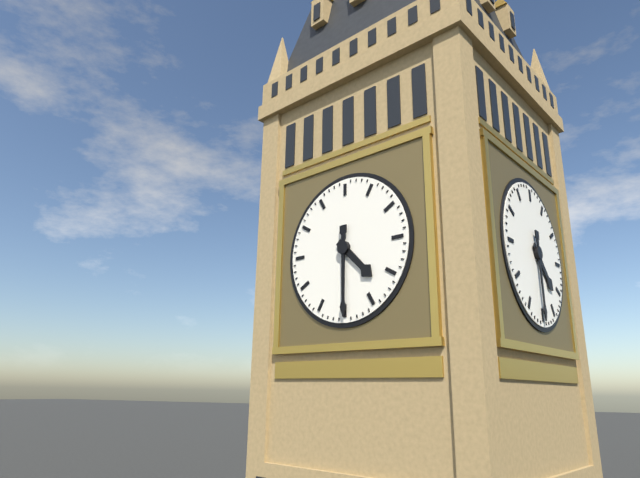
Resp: 4.30
